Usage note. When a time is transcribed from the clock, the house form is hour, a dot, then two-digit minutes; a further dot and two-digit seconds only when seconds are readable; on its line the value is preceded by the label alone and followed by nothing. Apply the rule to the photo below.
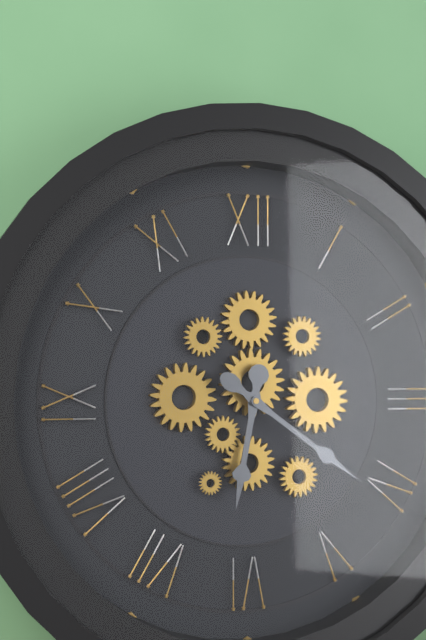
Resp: 6.21
